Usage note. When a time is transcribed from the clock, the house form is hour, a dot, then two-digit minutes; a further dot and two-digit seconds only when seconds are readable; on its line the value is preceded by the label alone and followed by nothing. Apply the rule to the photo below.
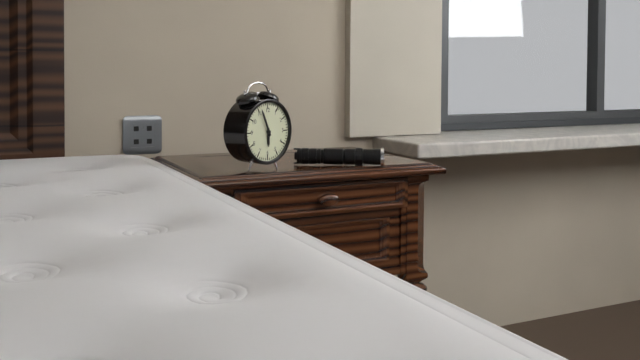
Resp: 5.56
